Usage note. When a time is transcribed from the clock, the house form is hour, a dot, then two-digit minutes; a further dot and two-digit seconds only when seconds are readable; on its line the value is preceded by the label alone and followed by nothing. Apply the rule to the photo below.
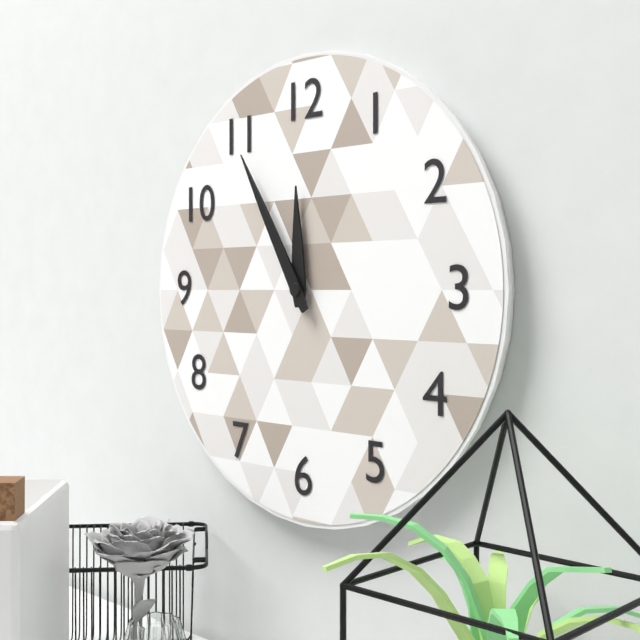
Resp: 11.55
